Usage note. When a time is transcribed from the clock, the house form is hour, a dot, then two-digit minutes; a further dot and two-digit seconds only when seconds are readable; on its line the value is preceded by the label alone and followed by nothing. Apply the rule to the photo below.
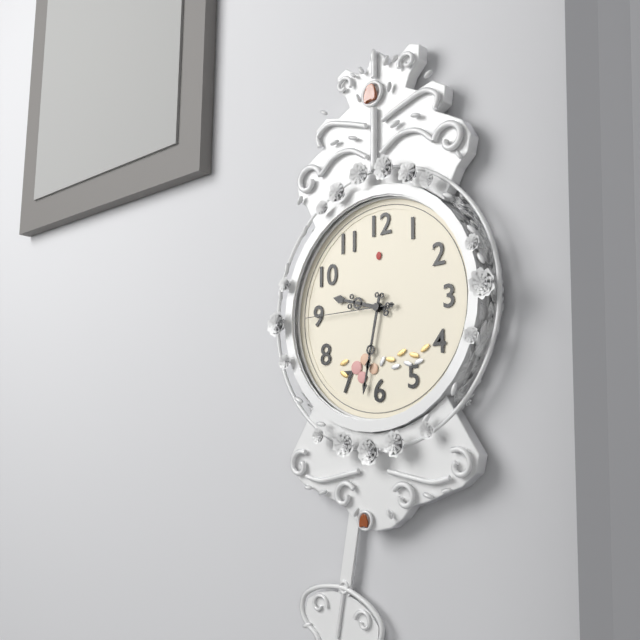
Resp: 9.32.45
